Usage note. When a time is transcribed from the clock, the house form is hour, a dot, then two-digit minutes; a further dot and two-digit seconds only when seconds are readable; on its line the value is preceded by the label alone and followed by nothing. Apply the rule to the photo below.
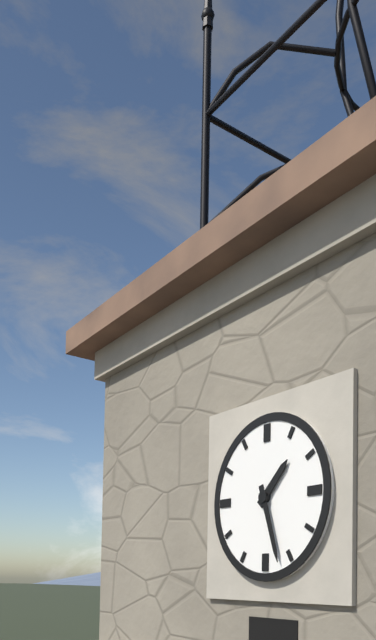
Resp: 1.27
